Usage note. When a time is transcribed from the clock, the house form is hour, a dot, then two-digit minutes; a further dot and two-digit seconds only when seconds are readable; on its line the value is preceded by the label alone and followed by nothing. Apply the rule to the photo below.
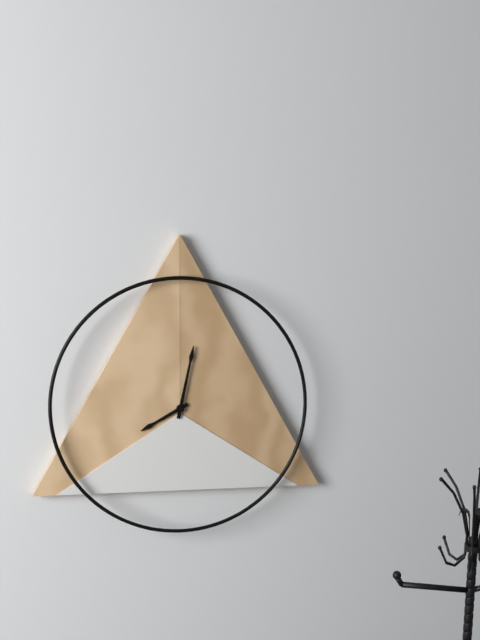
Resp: 8.02
